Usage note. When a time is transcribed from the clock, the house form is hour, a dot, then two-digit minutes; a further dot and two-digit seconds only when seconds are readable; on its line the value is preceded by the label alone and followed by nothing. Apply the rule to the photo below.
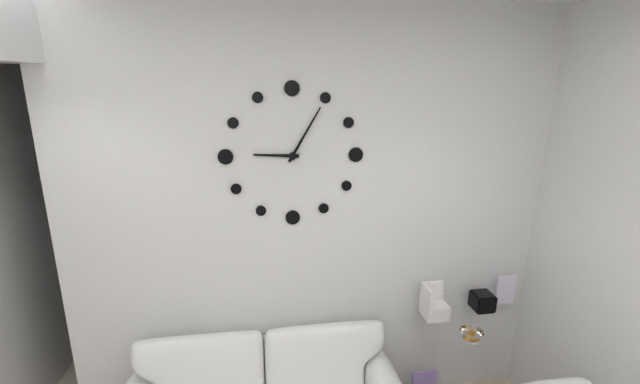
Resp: 9.05
